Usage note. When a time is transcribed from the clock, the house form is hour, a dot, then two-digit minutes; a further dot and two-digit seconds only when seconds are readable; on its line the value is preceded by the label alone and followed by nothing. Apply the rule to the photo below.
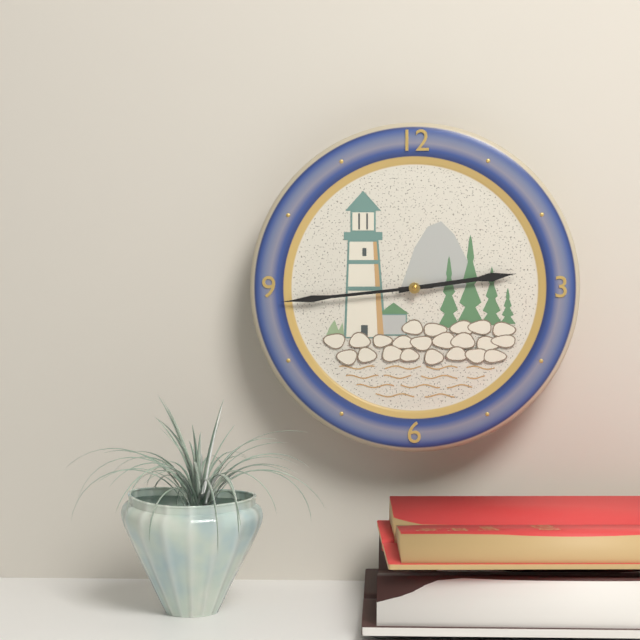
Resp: 2.44
